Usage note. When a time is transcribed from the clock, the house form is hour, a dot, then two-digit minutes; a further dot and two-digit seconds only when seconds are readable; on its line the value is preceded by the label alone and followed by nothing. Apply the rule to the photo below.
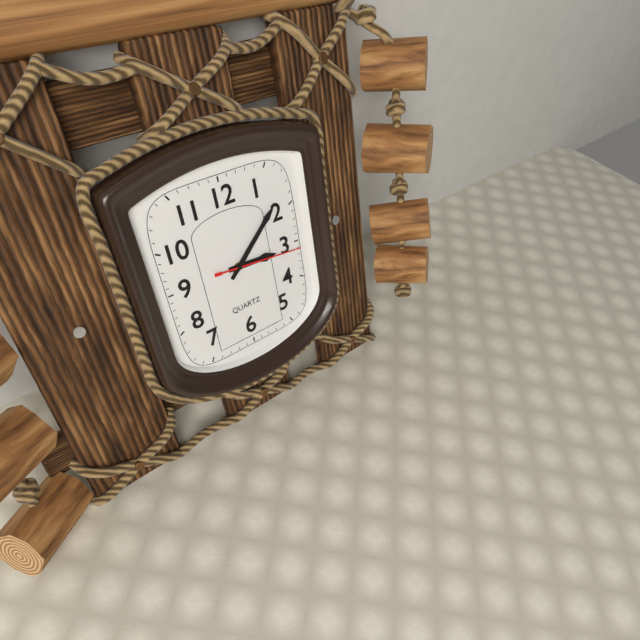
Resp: 3.08.16
